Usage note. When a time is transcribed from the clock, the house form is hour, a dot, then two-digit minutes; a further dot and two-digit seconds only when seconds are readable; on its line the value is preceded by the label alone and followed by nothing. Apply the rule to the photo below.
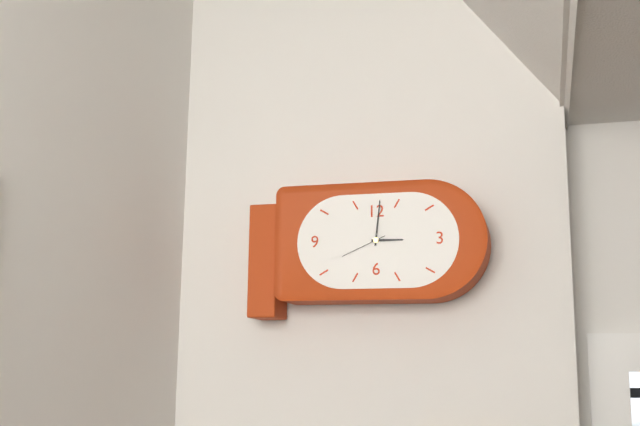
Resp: 3.01
